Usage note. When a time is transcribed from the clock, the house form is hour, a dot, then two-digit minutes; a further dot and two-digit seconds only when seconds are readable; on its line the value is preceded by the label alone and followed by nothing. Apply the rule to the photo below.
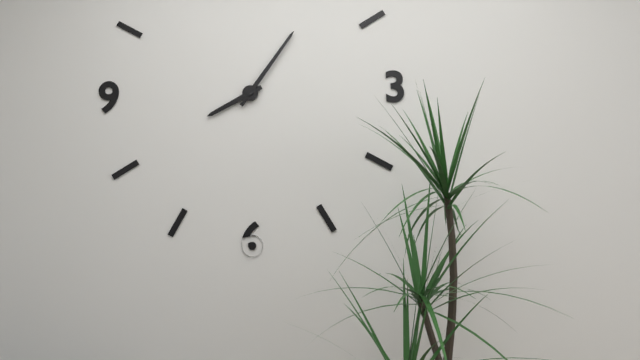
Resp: 8.06
